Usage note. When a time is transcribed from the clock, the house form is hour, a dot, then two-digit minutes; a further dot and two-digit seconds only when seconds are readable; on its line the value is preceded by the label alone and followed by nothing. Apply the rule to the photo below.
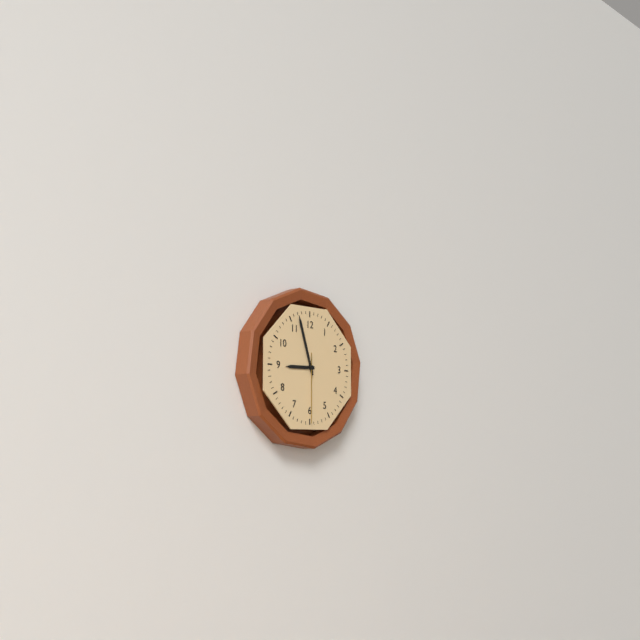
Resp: 8.57.30
